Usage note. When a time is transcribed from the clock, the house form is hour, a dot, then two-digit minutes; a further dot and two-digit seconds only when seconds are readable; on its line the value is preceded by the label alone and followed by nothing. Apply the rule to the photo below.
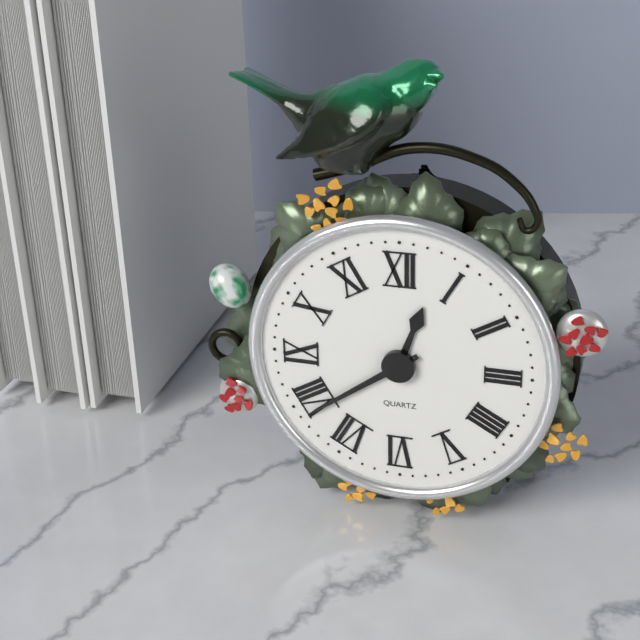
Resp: 12.39
